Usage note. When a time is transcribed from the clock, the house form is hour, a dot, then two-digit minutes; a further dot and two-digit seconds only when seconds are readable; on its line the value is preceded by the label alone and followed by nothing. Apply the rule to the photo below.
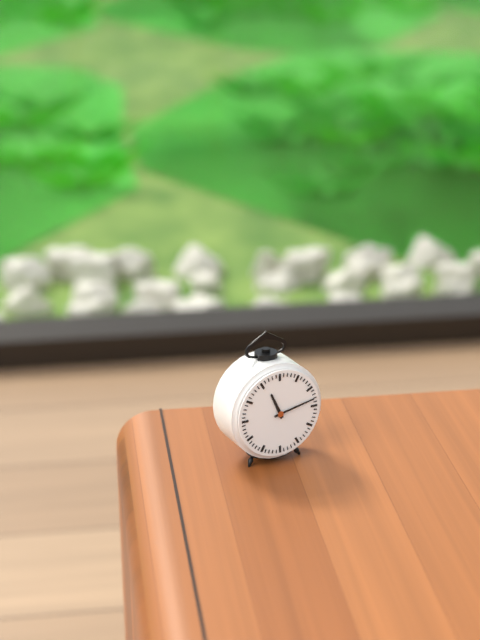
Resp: 11.13
